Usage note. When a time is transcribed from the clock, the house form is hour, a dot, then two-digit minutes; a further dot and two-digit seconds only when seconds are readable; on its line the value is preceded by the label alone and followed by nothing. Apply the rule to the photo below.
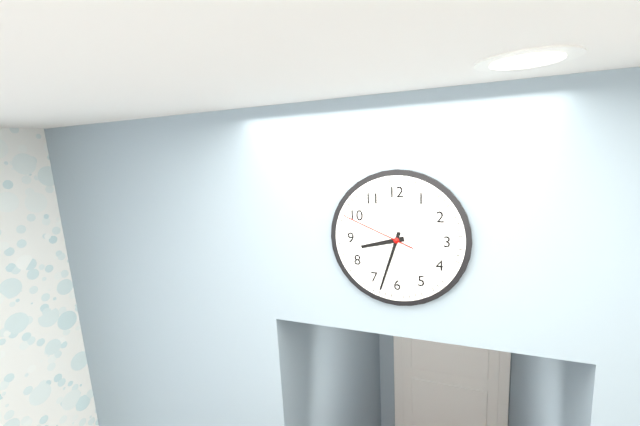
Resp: 8.33.49
